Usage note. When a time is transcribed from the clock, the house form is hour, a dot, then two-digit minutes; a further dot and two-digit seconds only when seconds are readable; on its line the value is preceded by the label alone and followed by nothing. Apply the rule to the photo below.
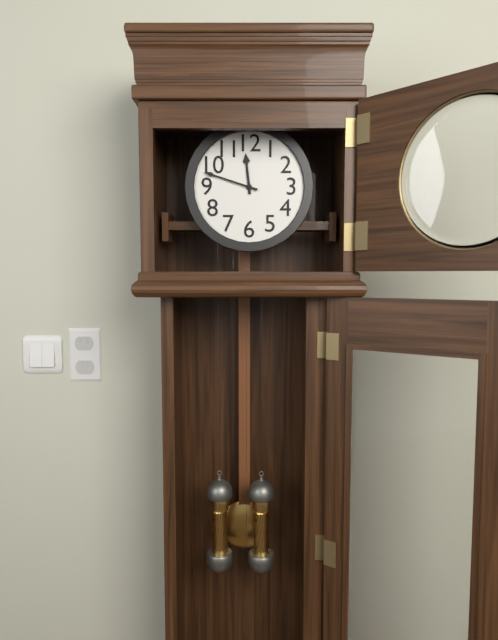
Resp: 11.48
